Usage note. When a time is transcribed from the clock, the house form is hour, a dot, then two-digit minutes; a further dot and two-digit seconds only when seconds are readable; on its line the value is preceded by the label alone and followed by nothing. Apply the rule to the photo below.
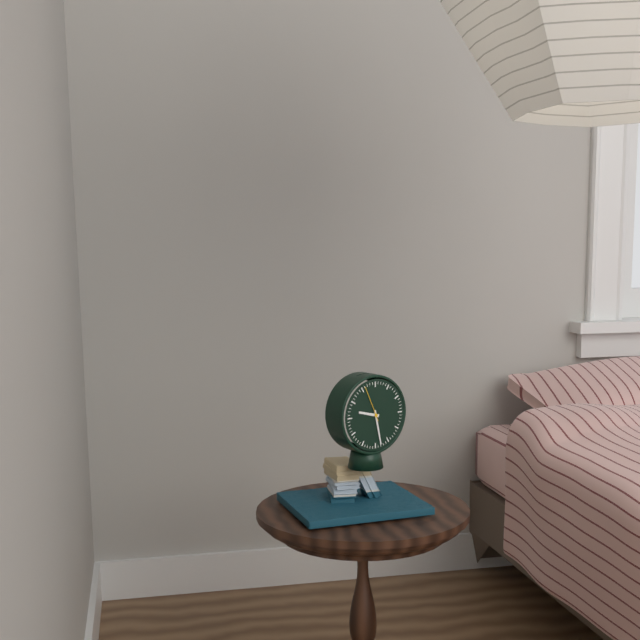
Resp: 9.28
